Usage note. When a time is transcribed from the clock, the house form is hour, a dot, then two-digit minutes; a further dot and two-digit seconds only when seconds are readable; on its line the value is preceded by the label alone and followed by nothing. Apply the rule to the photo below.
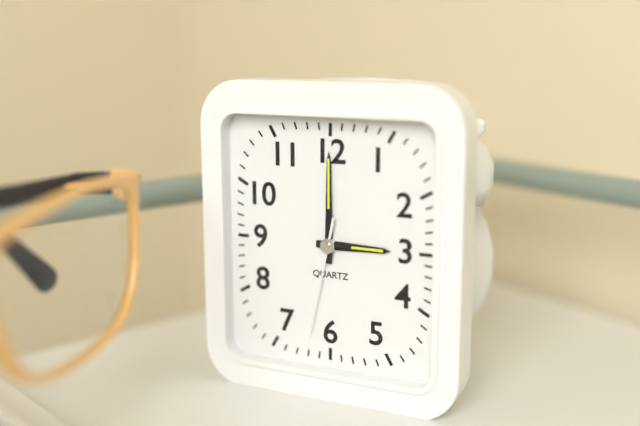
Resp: 3.00.32
